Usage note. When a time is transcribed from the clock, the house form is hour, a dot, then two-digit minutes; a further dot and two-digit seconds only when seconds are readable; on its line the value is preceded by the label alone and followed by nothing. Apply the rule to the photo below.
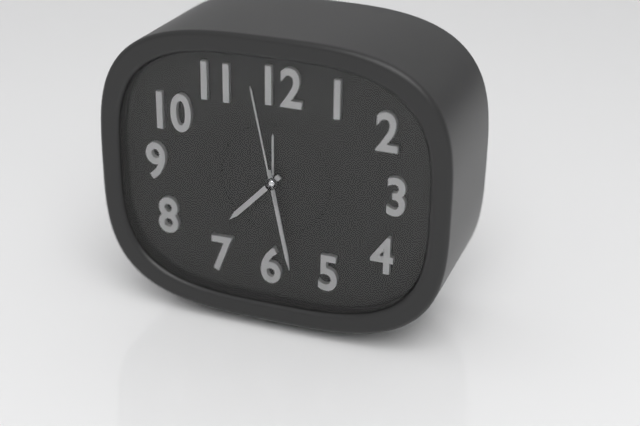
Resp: 7.28.58
